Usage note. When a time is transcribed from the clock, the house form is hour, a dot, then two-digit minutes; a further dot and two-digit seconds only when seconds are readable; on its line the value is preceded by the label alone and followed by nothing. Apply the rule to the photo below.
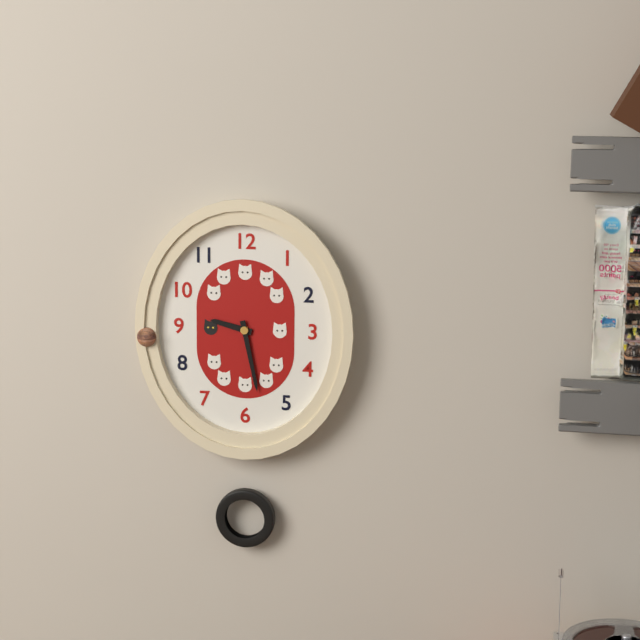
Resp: 9.28
